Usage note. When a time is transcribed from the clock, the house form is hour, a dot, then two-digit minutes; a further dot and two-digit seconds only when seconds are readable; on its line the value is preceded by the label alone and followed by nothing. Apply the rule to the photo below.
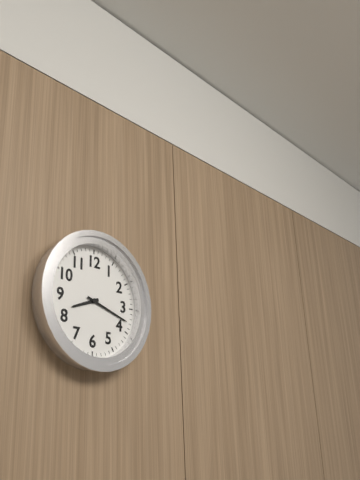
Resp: 8.18
